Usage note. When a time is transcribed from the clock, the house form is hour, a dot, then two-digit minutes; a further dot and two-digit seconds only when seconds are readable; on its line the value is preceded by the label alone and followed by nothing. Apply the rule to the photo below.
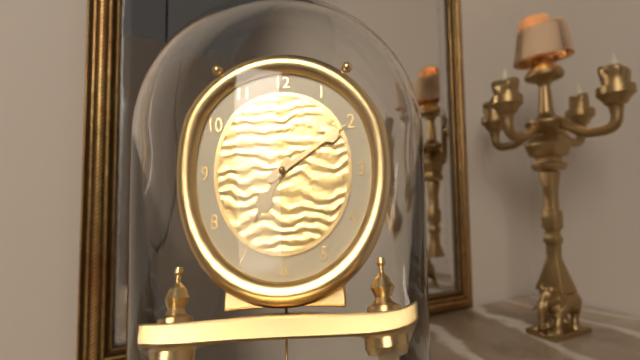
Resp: 7.10
